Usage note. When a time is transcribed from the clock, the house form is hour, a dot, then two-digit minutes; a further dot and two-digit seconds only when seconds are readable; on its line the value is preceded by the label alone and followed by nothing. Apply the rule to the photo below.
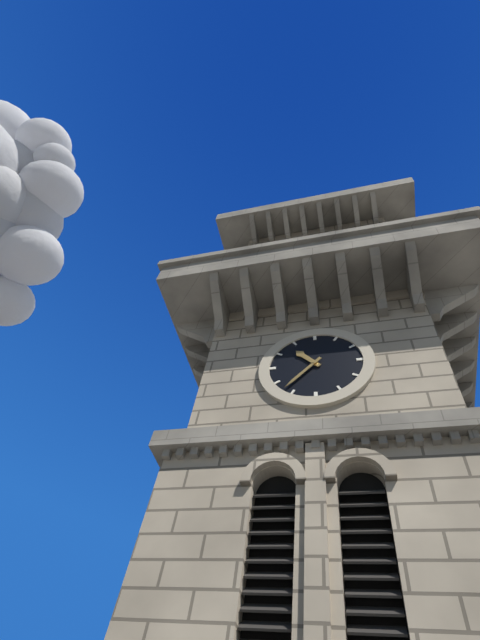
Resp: 10.37
